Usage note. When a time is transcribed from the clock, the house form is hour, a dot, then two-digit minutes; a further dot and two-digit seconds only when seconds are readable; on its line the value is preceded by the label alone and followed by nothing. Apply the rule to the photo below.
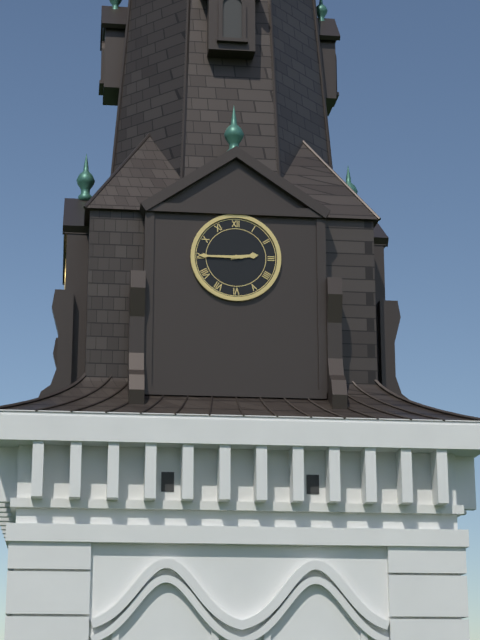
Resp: 2.45
